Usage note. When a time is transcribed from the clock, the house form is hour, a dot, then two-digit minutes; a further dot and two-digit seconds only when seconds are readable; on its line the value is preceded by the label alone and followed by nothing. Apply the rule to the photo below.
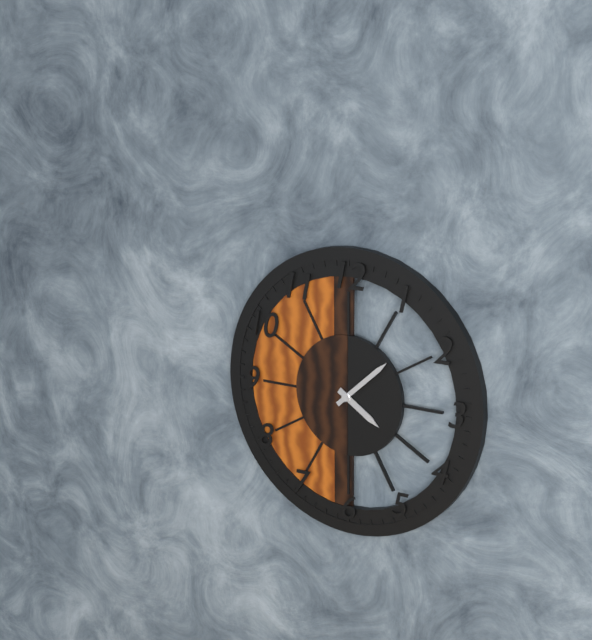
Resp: 4.08
